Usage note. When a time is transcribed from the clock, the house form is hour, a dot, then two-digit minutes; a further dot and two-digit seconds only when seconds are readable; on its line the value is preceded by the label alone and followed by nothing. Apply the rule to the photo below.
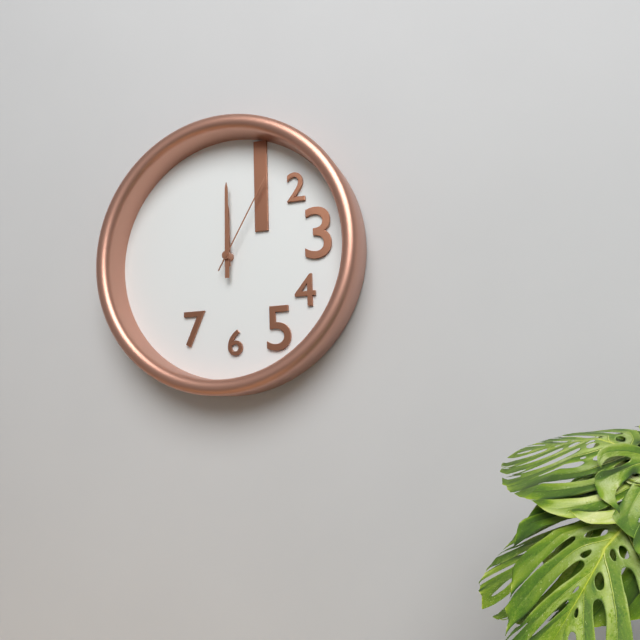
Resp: 12.00.05
